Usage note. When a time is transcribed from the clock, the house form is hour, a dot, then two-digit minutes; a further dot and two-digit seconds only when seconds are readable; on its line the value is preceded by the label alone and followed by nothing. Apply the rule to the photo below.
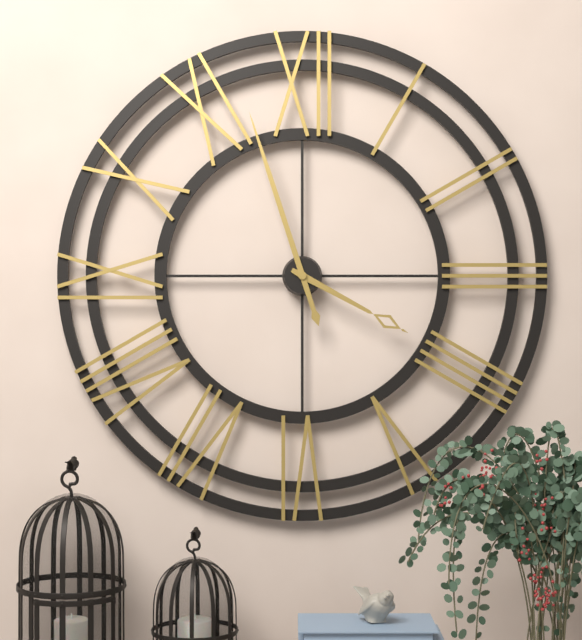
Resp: 3.57
